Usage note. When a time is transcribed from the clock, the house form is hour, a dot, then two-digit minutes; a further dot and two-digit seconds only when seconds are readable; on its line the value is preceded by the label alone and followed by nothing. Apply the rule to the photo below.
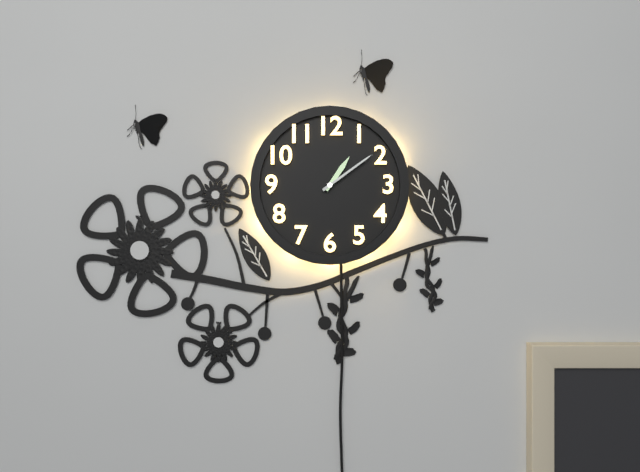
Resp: 1.09
